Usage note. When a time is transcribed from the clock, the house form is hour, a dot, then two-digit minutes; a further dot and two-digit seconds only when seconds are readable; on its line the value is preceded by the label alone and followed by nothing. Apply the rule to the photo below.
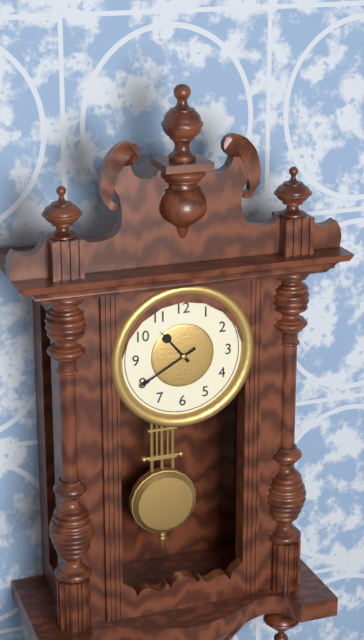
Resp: 10.40
